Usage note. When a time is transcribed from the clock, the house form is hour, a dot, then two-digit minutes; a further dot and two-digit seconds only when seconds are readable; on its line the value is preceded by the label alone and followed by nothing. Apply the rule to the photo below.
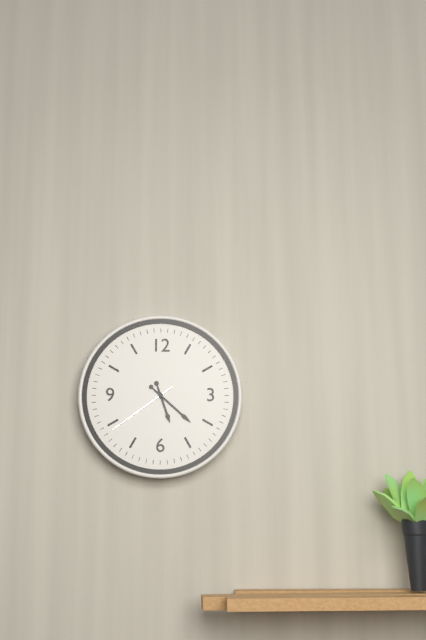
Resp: 5.22.39
